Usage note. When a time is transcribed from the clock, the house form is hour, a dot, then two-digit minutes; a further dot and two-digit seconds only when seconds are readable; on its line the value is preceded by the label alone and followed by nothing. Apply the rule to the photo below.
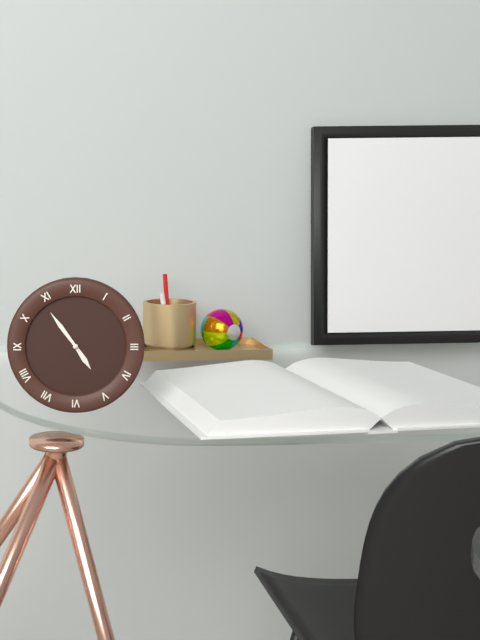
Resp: 4.54
